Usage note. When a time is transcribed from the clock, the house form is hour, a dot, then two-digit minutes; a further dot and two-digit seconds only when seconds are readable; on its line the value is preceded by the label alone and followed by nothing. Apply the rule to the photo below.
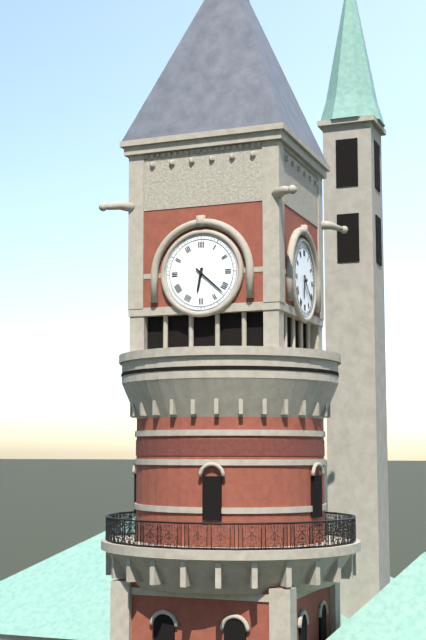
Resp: 6.22
